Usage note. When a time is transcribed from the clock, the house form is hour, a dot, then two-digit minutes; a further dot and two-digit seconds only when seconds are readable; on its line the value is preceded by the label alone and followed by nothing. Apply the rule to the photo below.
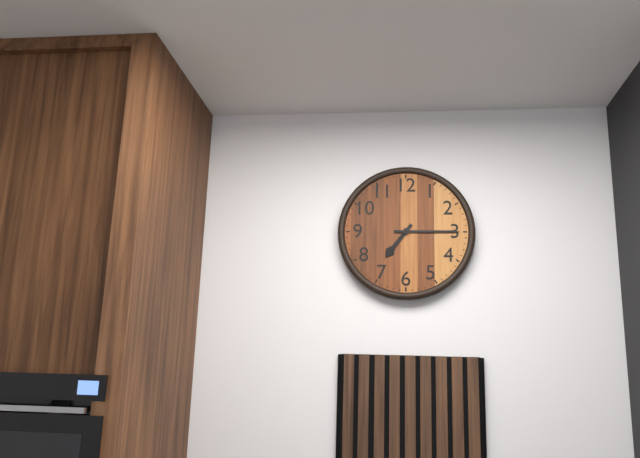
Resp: 7.15
